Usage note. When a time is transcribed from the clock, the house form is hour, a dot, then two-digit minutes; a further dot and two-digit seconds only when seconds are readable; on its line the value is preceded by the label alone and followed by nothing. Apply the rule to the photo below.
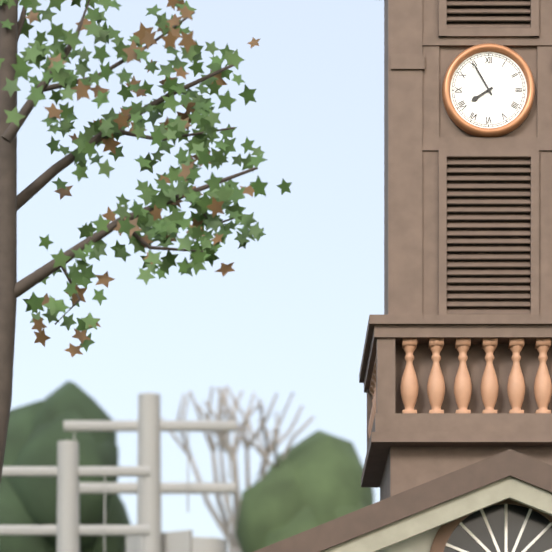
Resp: 7.55
